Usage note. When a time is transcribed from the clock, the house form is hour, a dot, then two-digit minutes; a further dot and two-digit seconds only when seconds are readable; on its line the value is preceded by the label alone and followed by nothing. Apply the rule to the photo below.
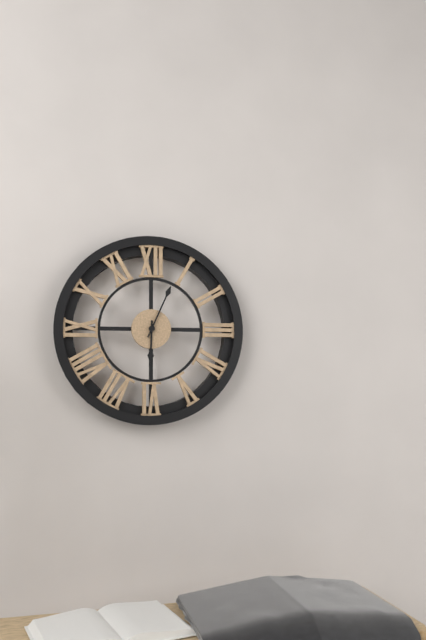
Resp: 6.04
